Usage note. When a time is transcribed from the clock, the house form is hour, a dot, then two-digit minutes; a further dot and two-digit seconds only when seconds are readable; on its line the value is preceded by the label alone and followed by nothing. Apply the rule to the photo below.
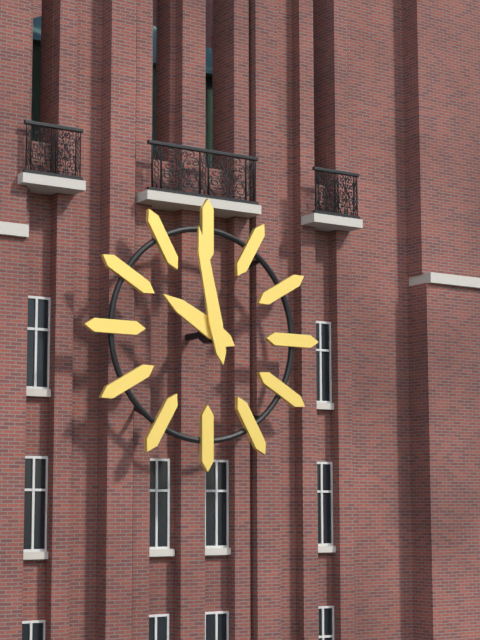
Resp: 9.58
